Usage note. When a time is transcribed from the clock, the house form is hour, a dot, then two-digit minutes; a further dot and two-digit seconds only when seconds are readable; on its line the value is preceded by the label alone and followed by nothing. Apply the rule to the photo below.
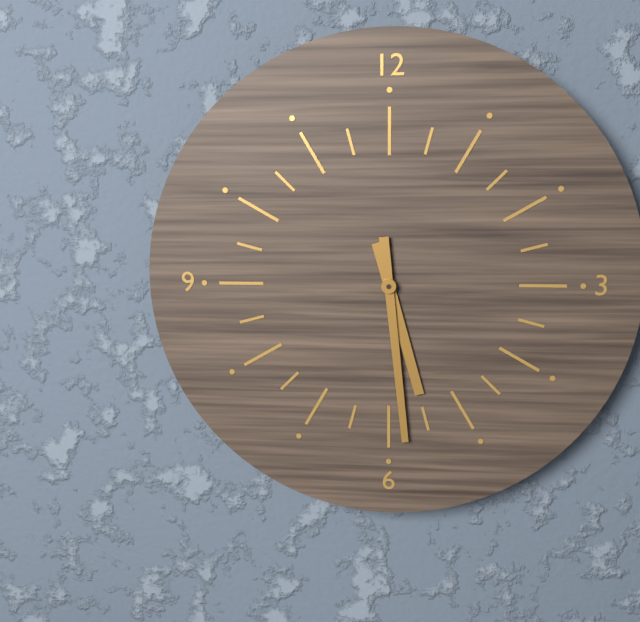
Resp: 5.29
